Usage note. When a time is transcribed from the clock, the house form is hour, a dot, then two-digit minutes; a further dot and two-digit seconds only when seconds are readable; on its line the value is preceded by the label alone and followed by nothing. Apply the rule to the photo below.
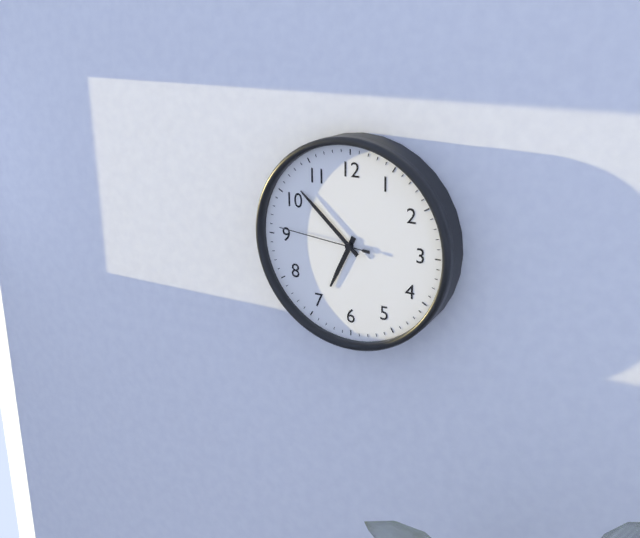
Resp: 6.52.46
